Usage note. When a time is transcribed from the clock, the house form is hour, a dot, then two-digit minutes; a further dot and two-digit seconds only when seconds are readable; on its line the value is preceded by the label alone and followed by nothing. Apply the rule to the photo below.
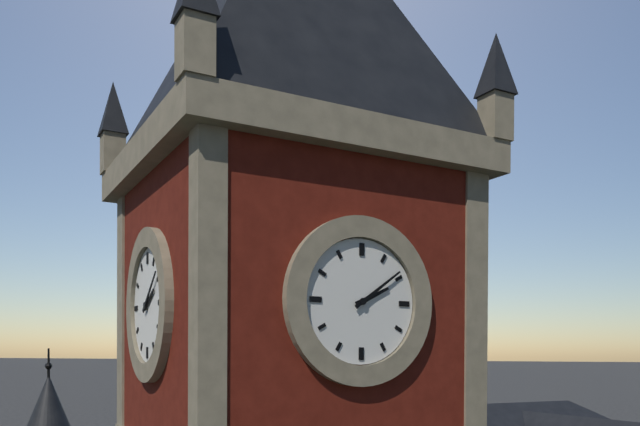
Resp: 2.09
